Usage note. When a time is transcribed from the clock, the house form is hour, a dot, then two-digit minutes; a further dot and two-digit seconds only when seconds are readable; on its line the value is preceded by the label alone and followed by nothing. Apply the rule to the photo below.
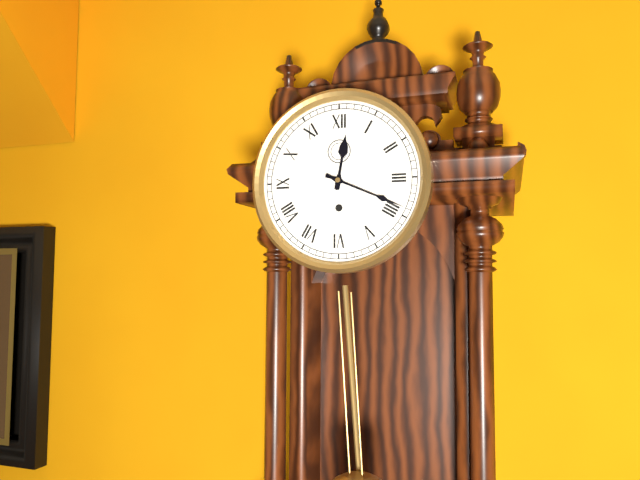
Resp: 12.19
